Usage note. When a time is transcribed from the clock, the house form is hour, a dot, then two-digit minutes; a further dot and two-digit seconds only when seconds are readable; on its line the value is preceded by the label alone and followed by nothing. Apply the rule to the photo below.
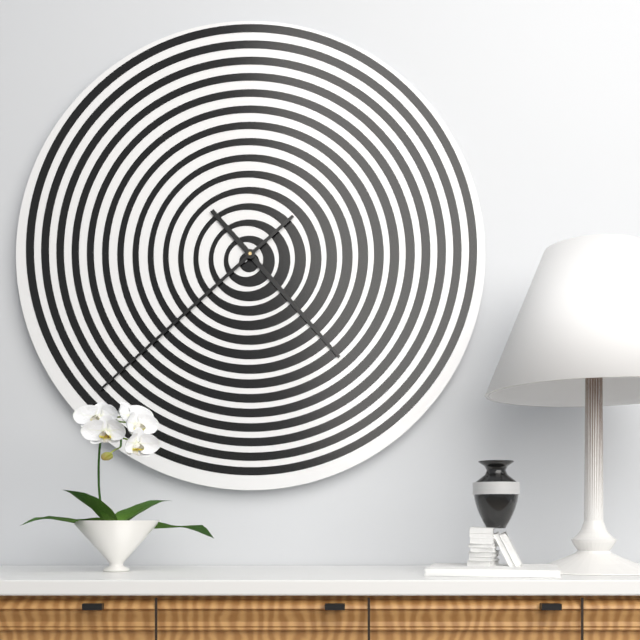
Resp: 4.38
